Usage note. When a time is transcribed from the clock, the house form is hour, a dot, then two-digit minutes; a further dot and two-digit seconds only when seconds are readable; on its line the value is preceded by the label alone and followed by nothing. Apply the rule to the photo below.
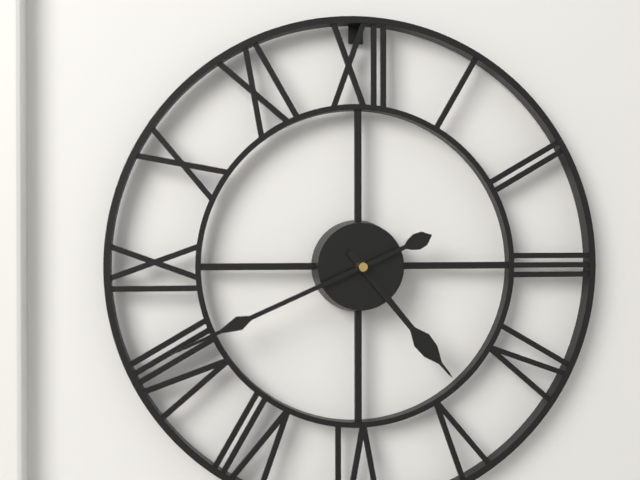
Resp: 4.41
